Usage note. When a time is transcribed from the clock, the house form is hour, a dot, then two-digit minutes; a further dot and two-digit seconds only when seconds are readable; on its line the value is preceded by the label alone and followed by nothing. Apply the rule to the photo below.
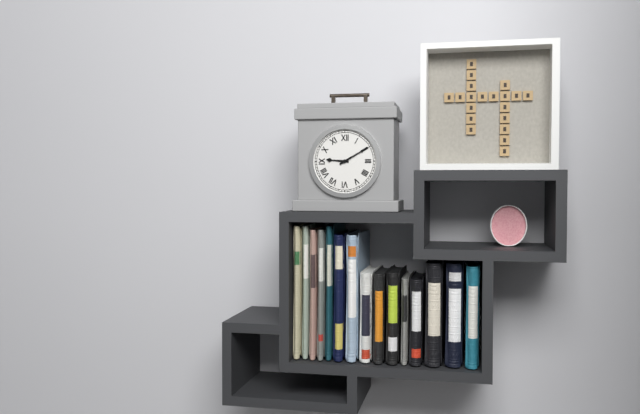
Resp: 9.10
